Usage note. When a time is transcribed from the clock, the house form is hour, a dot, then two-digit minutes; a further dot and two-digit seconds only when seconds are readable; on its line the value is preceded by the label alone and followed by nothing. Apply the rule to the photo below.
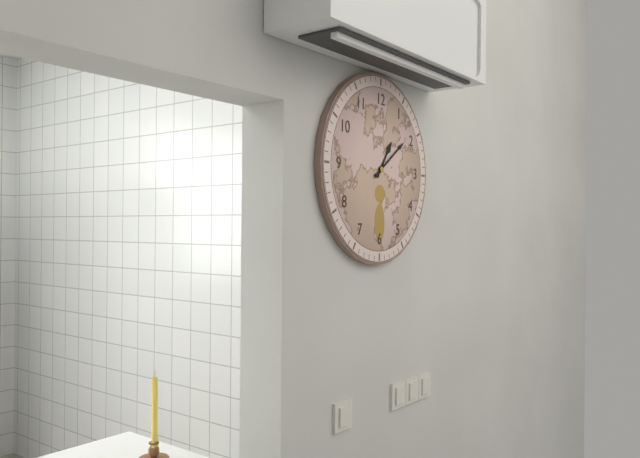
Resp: 1.09
